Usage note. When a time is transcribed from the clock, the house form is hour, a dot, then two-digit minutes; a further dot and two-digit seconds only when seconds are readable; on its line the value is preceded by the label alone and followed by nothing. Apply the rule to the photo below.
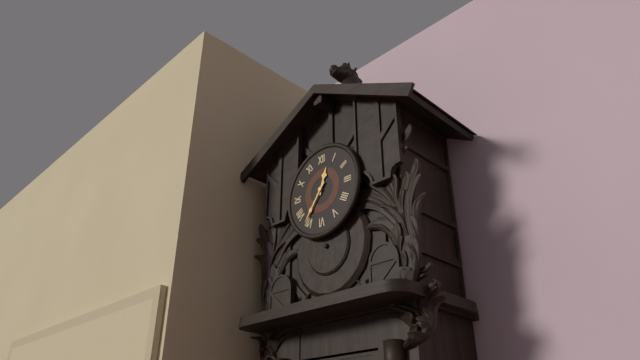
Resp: 12.36
